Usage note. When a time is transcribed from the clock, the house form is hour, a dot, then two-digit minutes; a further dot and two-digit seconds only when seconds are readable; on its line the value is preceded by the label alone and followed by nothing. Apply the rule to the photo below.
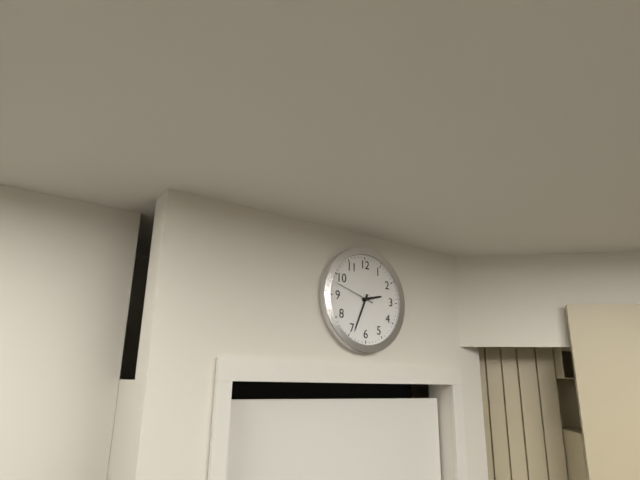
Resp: 2.34
